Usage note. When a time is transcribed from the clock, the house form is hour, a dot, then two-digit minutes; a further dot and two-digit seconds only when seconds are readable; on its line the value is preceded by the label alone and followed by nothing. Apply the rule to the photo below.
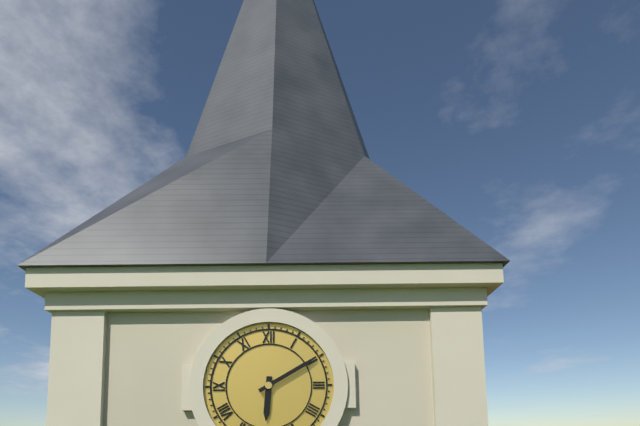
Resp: 6.10
